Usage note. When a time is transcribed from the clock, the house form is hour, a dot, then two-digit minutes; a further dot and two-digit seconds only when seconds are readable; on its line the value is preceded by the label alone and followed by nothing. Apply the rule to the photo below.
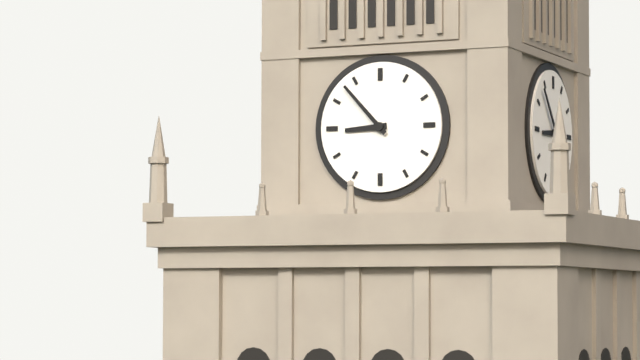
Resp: 8.53
